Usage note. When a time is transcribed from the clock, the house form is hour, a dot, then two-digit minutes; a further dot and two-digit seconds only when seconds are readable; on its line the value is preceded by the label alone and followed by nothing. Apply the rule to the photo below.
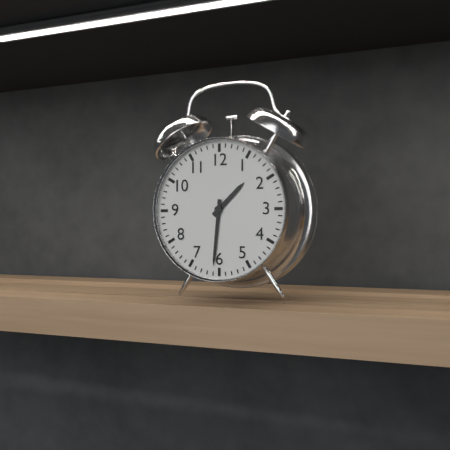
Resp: 1.31
